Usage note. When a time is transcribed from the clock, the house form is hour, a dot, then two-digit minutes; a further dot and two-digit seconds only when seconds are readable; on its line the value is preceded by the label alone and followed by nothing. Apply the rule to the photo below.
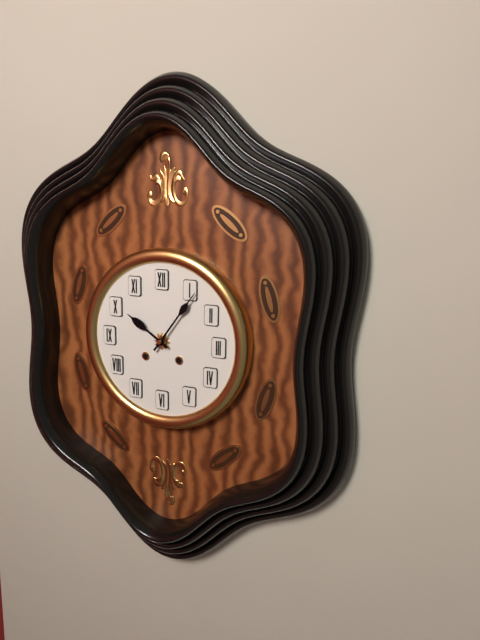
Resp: 10.06
